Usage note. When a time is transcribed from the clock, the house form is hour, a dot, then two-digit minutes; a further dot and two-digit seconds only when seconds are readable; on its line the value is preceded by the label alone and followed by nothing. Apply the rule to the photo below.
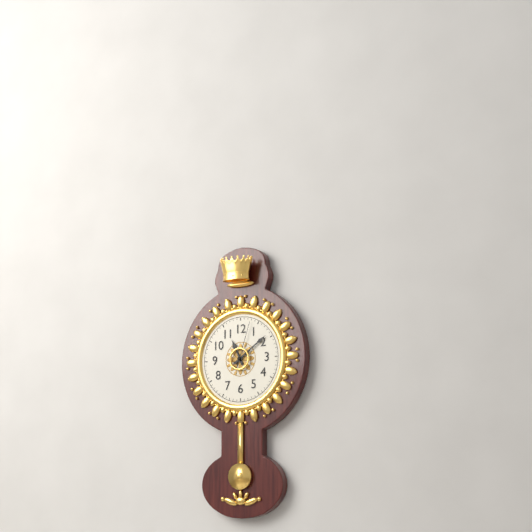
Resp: 11.09
